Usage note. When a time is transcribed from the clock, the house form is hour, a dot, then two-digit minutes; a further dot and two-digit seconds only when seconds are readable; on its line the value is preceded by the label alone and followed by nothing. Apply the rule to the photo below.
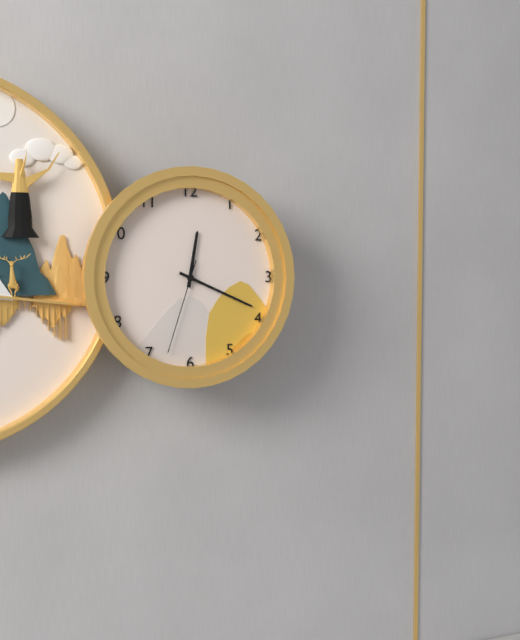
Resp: 12.19.33
